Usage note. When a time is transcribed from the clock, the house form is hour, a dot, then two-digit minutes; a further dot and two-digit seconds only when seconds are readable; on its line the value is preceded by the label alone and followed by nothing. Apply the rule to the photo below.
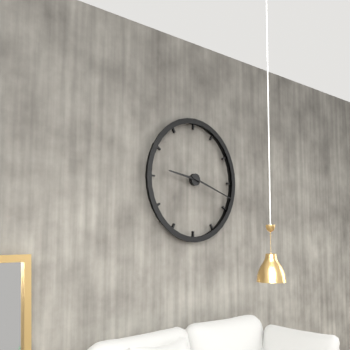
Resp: 9.18
